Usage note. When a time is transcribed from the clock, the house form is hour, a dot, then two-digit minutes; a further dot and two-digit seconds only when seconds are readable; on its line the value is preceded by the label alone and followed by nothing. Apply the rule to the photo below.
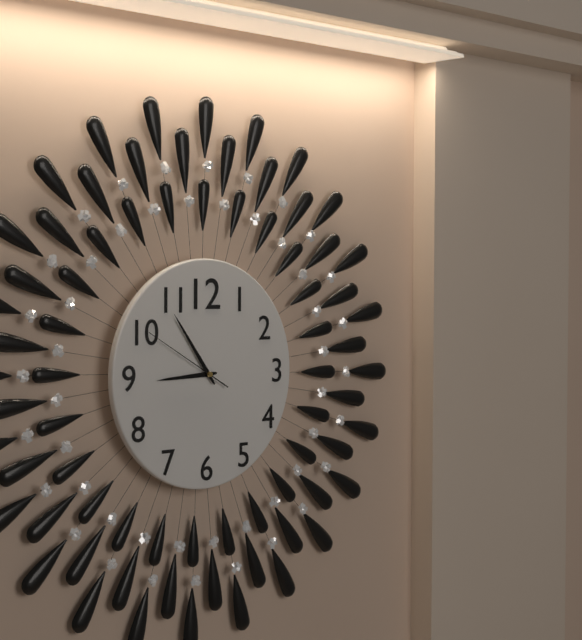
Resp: 8.54.50
